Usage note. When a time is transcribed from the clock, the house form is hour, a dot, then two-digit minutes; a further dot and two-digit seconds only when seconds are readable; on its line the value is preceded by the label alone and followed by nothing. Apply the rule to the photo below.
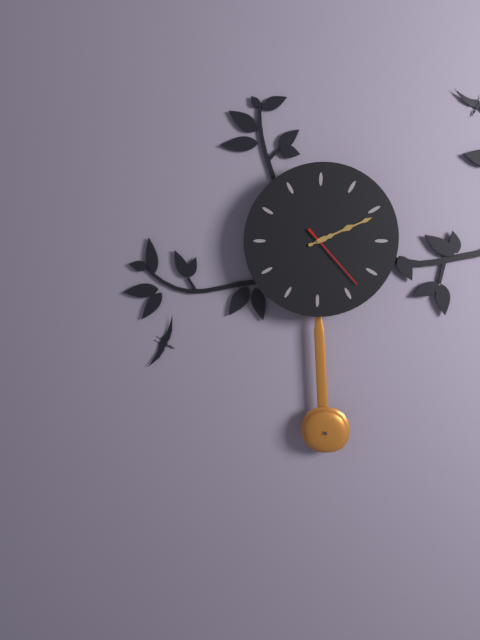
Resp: 2.11.23
